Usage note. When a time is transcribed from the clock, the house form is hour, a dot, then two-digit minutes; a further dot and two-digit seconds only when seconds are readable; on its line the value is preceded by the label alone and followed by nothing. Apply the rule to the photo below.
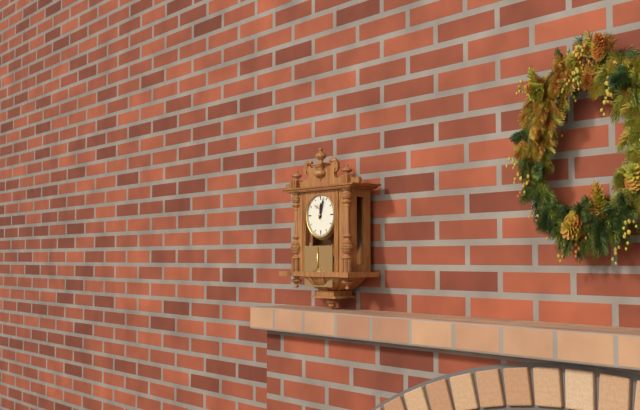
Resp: 12.03
